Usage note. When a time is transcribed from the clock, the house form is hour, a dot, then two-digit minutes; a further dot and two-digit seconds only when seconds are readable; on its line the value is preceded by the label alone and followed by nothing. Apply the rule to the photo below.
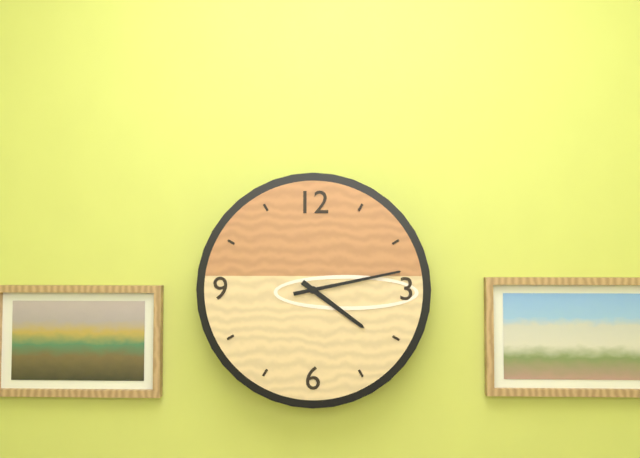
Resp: 4.13
